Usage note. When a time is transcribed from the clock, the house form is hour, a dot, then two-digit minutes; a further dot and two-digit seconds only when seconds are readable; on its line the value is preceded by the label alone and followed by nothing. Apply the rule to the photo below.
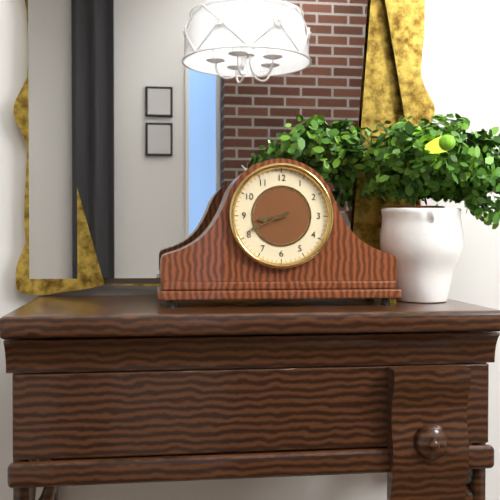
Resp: 8.41
